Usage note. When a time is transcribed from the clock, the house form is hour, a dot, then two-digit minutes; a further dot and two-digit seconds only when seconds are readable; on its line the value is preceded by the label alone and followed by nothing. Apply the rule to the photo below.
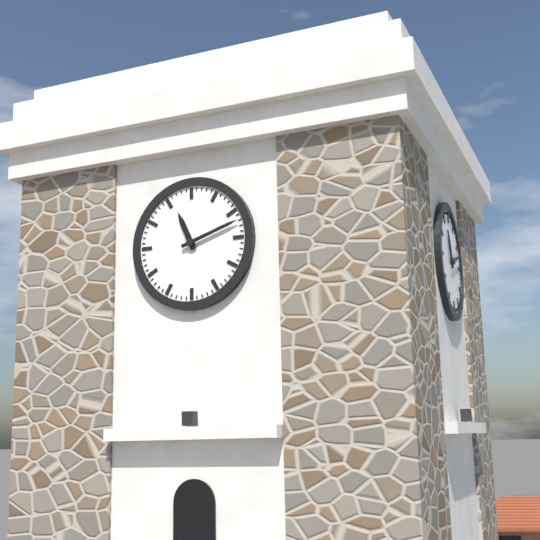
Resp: 11.12
